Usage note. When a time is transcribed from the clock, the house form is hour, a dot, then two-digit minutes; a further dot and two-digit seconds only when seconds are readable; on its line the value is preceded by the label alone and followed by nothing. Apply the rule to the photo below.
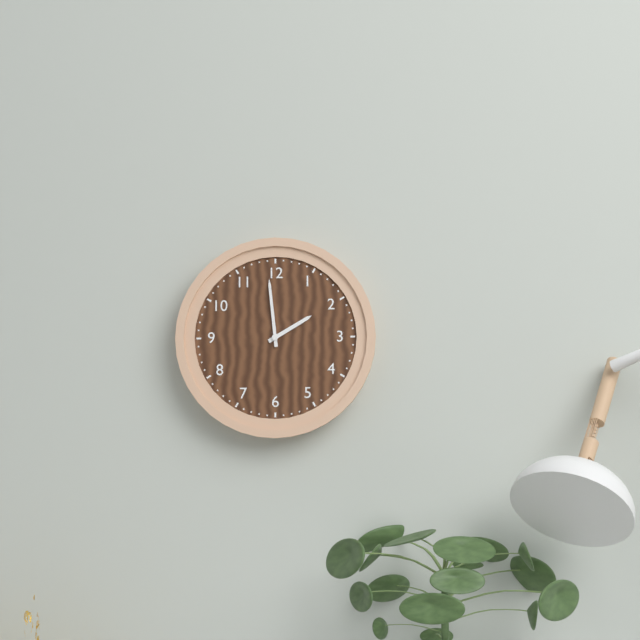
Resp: 1.59
